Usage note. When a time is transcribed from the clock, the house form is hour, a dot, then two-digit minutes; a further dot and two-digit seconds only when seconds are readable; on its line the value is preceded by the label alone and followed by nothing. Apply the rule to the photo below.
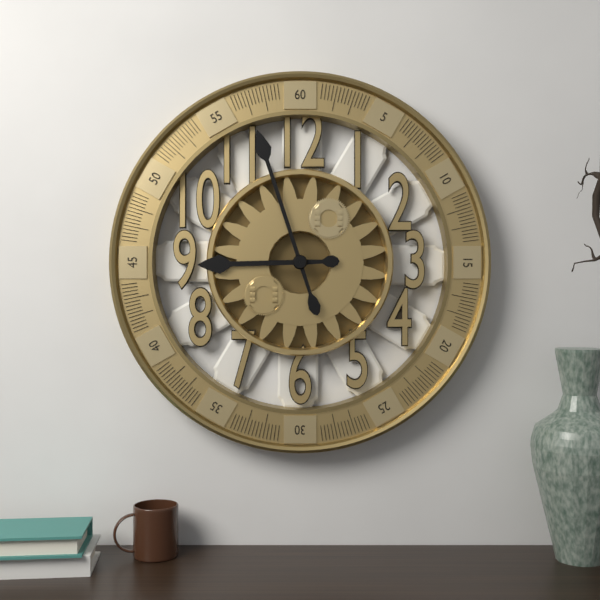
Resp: 8.57
